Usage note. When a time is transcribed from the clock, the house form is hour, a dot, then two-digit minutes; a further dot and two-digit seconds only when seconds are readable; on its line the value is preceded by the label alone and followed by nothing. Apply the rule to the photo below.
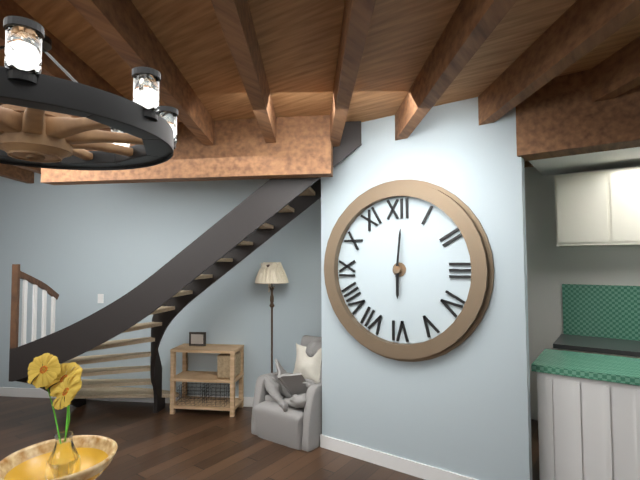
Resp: 6.01
